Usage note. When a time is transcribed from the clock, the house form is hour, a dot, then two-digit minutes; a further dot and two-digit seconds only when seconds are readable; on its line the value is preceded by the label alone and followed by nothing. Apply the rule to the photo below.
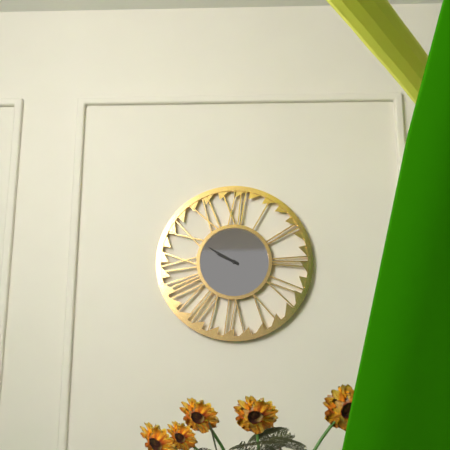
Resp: 9.50
